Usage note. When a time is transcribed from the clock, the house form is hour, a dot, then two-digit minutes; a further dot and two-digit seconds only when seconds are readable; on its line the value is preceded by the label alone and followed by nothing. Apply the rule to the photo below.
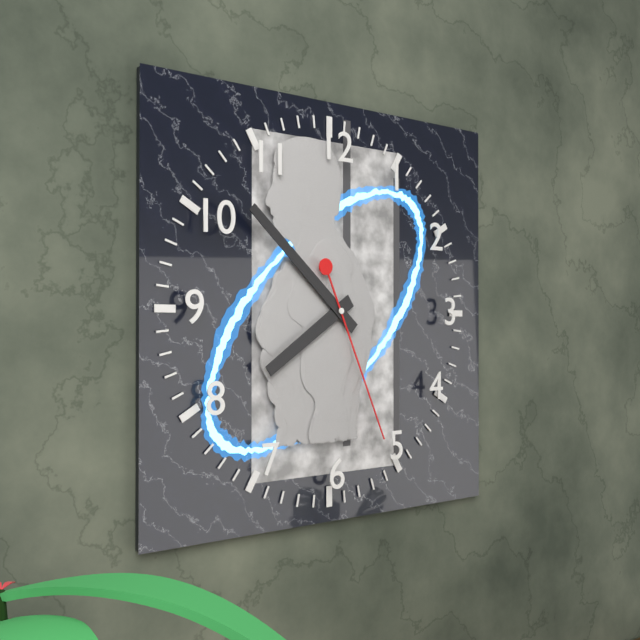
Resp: 7.52.26
